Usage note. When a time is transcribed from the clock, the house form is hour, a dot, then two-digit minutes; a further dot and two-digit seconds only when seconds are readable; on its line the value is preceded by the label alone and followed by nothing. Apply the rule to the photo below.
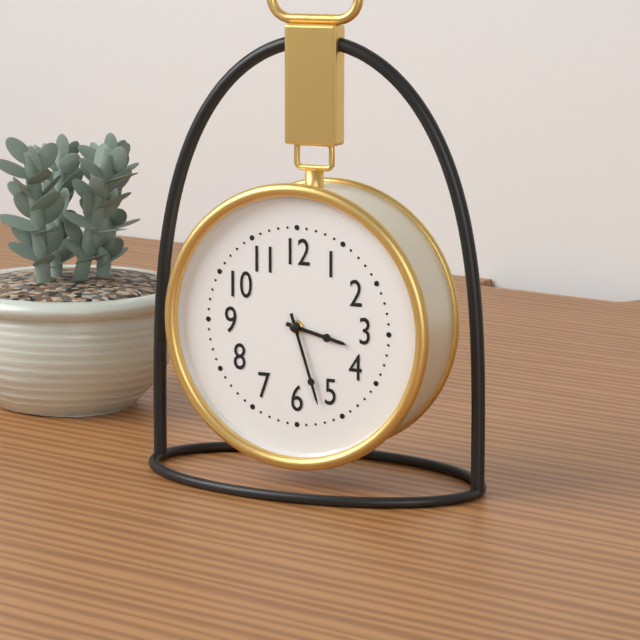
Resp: 3.27
